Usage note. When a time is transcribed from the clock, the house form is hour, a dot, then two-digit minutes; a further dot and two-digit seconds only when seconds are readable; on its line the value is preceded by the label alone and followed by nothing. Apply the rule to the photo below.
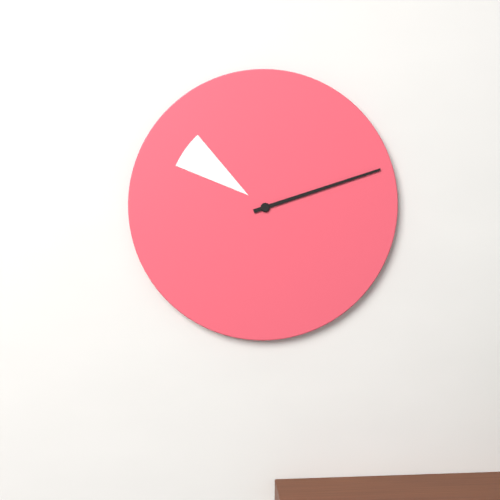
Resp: 10.12
